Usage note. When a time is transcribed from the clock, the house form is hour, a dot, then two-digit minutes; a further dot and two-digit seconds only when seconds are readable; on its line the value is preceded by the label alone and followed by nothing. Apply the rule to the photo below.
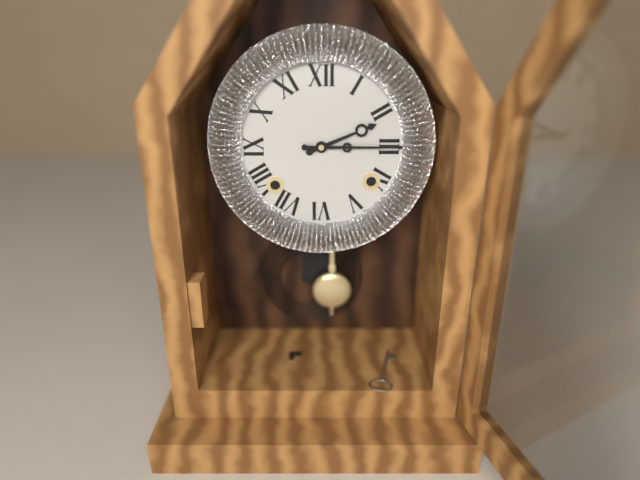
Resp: 2.15
